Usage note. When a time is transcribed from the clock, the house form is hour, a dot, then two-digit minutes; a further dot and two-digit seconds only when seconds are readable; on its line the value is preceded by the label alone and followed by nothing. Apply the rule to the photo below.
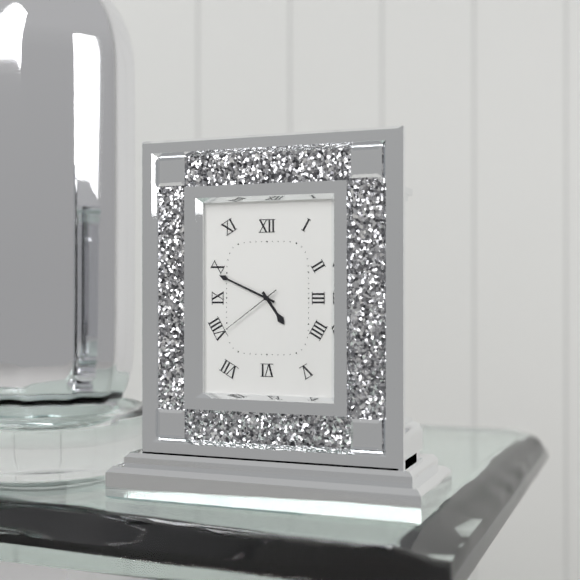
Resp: 4.49.39
